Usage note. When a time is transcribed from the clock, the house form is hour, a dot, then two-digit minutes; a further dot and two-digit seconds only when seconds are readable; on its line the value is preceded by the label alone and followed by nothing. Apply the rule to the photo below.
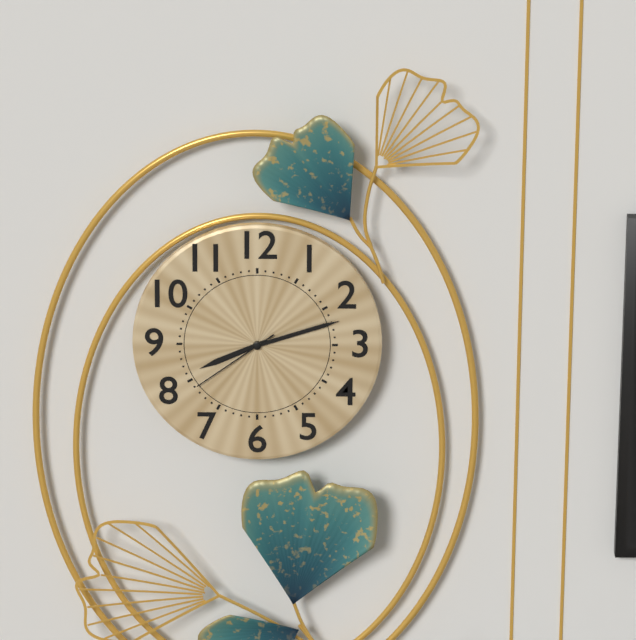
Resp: 8.12.39
